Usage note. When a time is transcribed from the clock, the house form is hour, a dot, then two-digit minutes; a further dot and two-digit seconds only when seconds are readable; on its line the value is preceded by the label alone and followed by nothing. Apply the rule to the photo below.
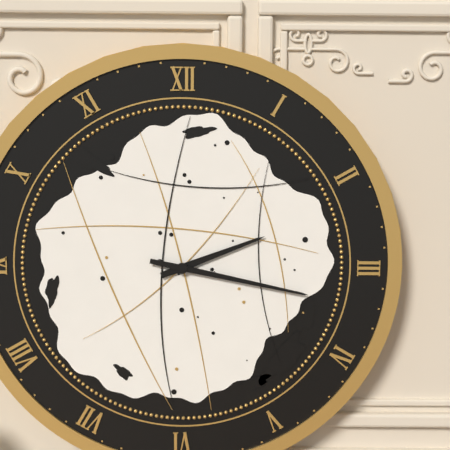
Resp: 2.17
